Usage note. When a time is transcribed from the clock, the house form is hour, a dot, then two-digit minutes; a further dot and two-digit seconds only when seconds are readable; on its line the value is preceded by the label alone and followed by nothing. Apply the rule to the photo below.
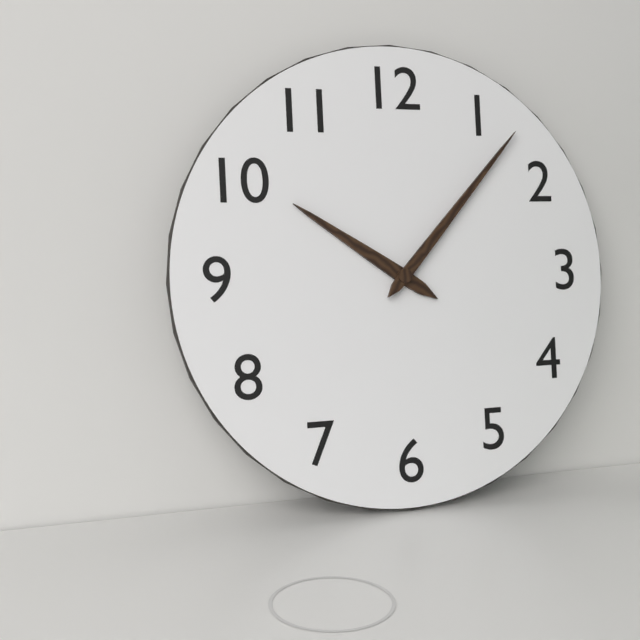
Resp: 10.07
